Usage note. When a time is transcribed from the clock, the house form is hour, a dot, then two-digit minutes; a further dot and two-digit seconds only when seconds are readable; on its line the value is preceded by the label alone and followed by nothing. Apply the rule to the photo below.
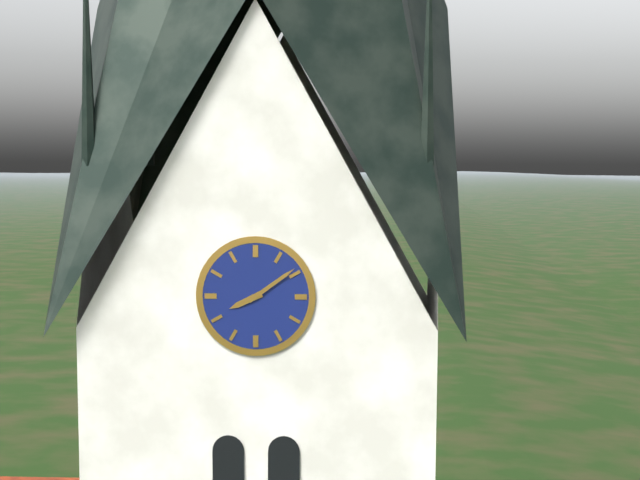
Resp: 8.09
